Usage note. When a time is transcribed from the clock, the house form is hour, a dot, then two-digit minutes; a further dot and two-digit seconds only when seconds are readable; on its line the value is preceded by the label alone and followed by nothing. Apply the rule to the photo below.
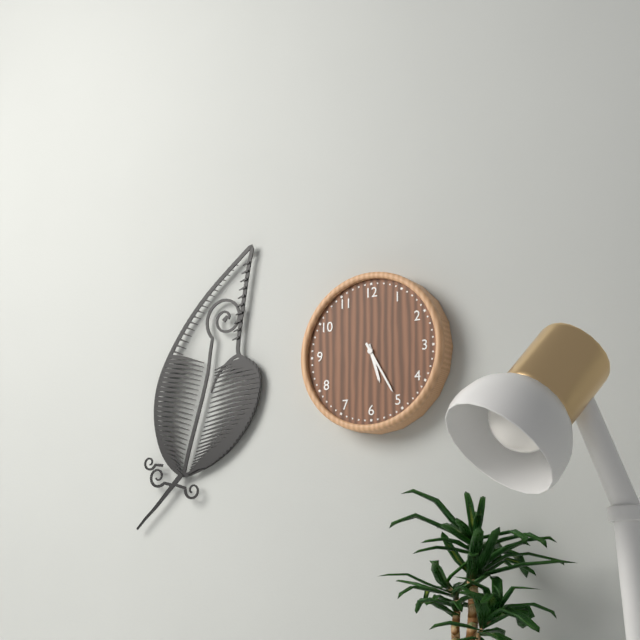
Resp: 5.25
